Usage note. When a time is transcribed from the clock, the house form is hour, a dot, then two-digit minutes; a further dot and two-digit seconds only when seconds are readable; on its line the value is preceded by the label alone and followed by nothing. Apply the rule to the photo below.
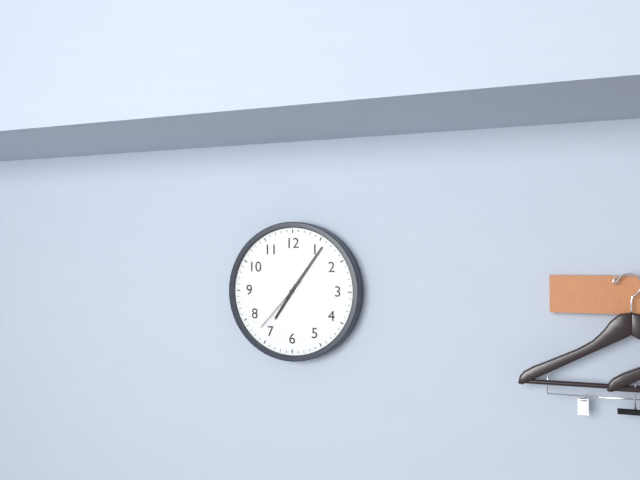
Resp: 7.06.37
